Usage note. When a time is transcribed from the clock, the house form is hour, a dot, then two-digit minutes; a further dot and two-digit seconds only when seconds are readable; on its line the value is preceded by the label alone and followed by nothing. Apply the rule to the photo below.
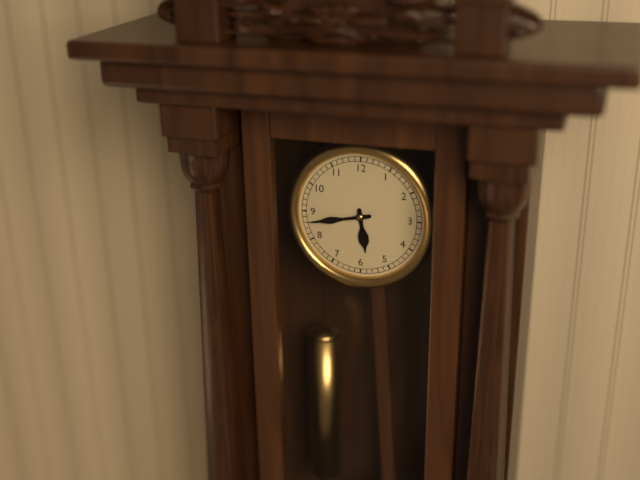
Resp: 5.43
